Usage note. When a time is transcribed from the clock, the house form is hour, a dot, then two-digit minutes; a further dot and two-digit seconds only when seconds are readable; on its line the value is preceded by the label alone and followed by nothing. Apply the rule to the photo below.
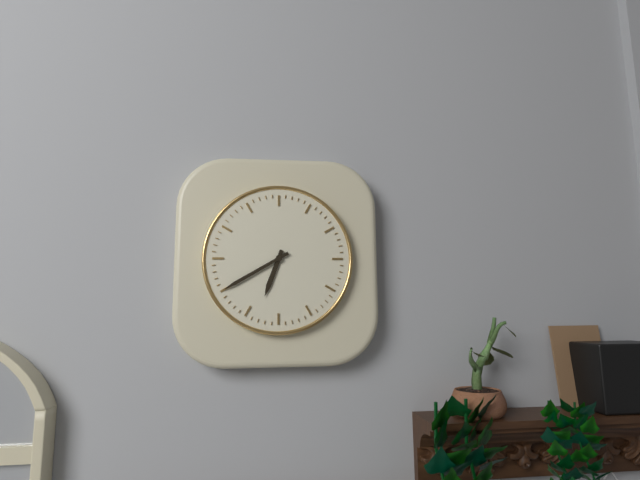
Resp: 6.40
